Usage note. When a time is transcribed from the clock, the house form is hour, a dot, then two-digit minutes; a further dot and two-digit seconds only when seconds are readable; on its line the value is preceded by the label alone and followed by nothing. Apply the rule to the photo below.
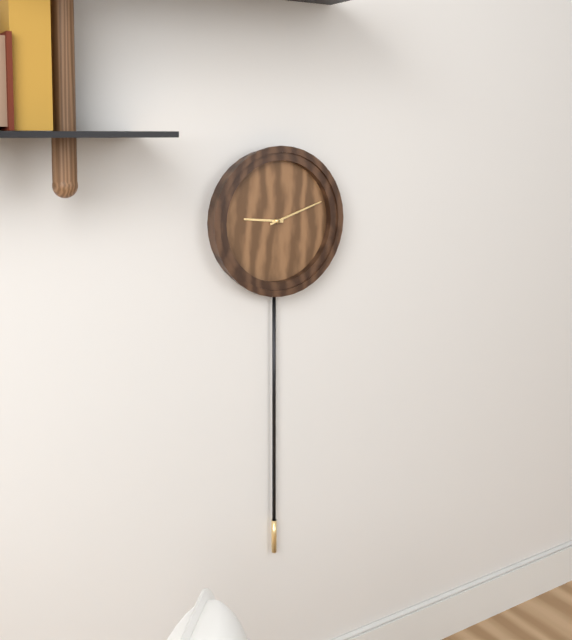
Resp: 9.12
